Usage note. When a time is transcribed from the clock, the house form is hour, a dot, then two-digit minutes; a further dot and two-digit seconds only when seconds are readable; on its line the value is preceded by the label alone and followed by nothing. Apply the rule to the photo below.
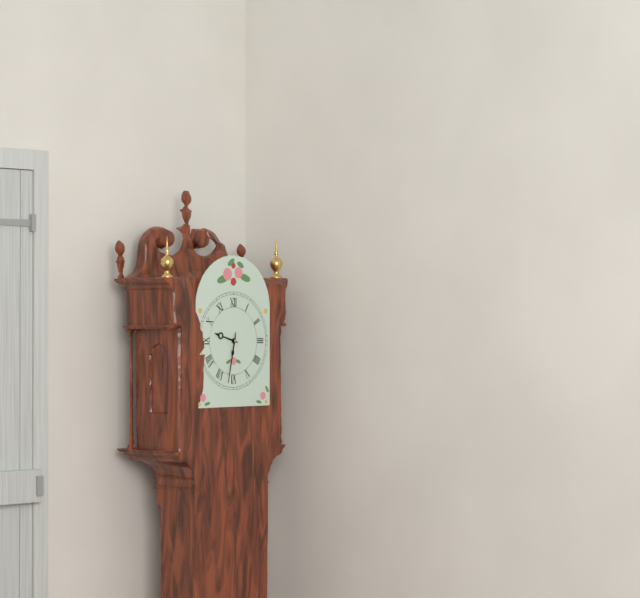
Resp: 9.32
